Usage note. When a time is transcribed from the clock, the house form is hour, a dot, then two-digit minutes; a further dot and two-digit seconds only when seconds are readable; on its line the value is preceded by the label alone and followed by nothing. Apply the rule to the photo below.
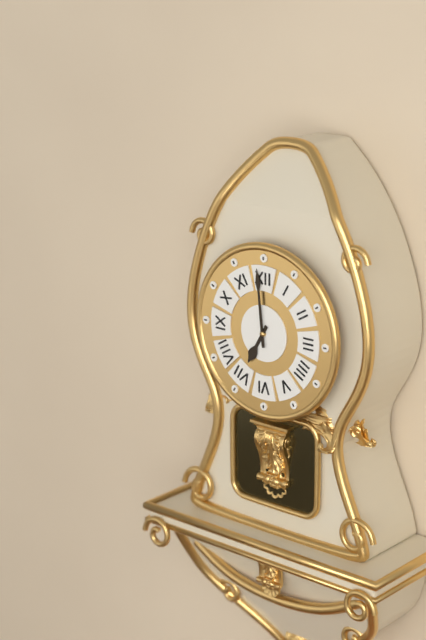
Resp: 6.59
